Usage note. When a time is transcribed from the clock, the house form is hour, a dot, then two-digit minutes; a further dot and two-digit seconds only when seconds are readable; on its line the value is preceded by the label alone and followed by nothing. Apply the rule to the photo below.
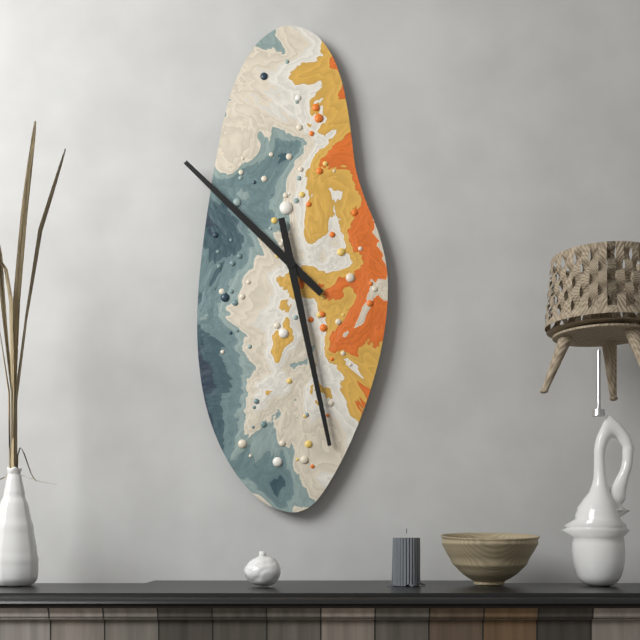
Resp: 10.28
